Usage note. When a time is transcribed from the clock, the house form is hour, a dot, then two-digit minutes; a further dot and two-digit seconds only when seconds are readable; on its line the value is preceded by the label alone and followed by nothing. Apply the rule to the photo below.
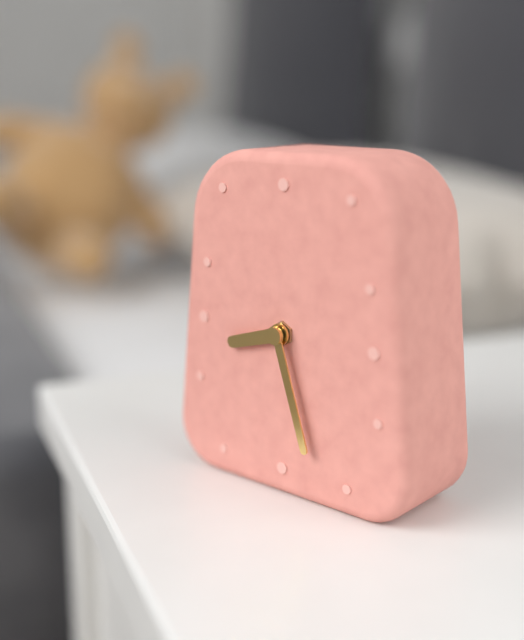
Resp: 8.27
